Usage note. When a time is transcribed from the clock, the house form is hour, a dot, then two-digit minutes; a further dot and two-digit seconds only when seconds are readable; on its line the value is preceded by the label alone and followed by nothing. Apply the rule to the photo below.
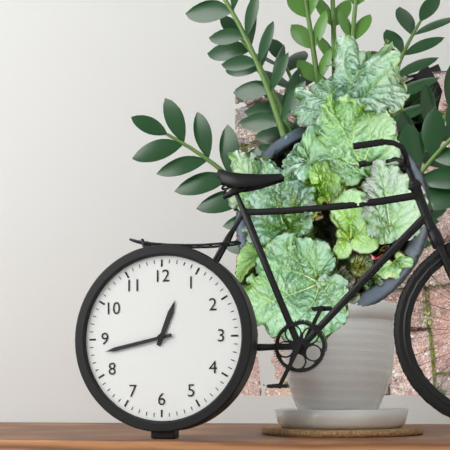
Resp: 12.43
